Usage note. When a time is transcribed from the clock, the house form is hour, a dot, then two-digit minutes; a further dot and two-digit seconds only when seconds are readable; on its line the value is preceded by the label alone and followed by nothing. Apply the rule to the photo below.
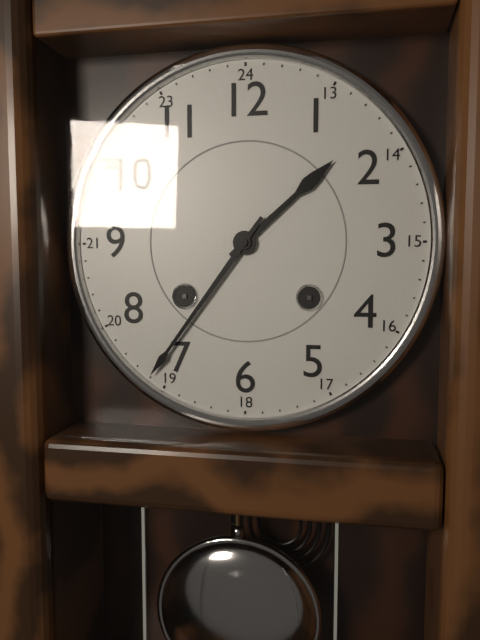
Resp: 1.36
